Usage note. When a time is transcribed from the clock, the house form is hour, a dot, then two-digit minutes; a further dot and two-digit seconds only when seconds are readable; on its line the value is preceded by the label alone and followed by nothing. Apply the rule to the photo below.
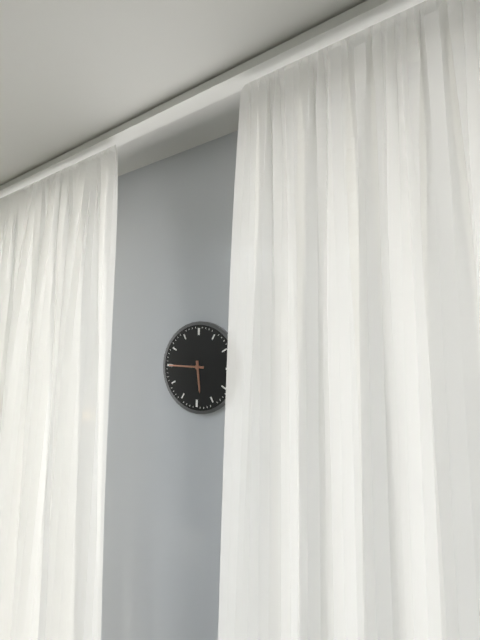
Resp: 5.45
